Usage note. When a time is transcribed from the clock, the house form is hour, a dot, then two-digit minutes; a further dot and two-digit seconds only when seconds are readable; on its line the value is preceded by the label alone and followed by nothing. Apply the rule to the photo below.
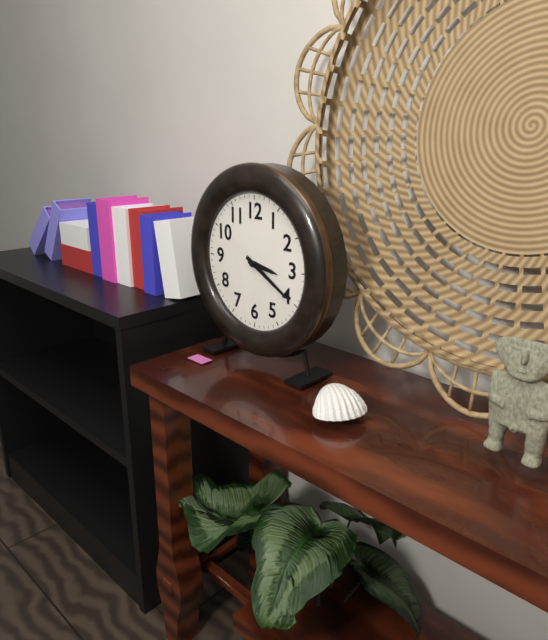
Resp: 3.20
